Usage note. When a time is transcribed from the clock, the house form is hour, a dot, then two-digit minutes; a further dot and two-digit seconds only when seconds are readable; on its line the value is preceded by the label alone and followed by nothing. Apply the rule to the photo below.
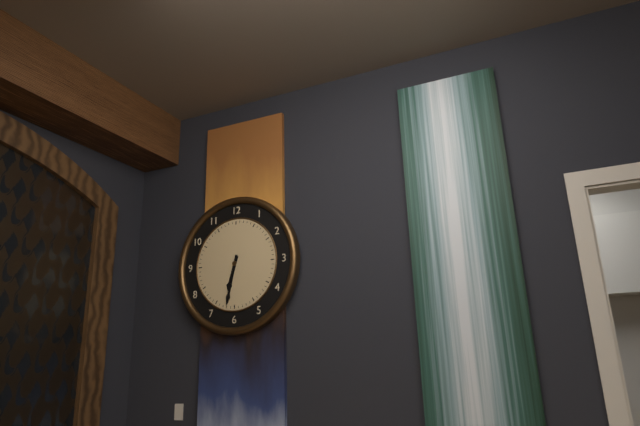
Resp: 6.32
